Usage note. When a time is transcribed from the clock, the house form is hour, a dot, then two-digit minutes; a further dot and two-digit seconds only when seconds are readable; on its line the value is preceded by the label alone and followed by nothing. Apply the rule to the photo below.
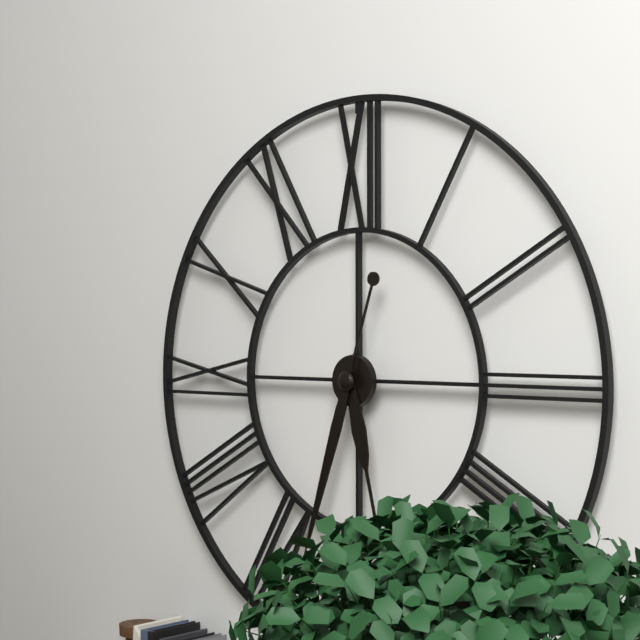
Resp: 5.33
